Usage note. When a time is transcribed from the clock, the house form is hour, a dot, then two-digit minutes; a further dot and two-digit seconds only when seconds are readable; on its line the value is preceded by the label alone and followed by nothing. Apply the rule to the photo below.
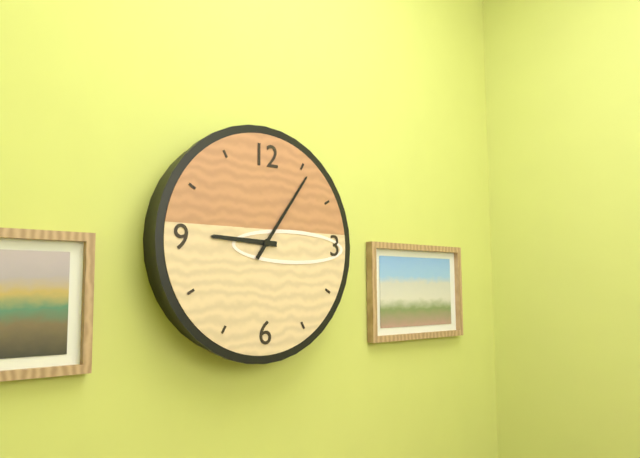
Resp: 9.06
